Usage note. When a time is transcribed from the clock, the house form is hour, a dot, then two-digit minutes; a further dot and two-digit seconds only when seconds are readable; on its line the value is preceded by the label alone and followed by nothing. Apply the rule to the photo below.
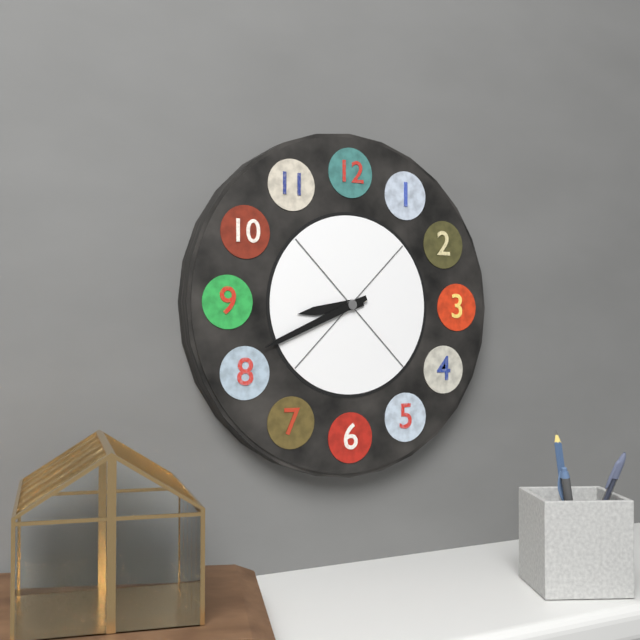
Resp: 8.41
